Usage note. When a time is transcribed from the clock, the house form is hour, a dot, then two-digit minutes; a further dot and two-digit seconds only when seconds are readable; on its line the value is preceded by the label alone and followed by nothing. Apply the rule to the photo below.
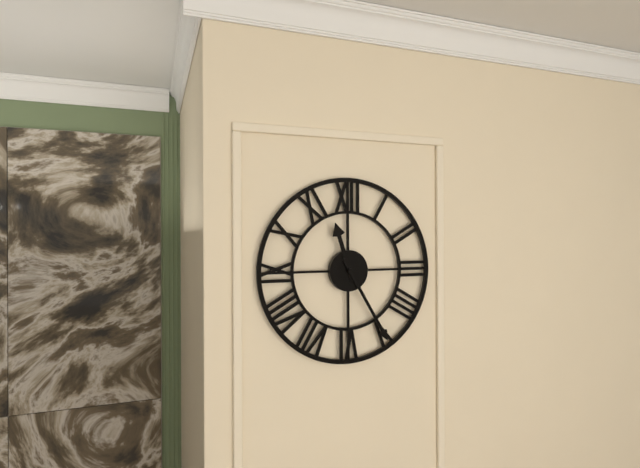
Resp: 11.25
